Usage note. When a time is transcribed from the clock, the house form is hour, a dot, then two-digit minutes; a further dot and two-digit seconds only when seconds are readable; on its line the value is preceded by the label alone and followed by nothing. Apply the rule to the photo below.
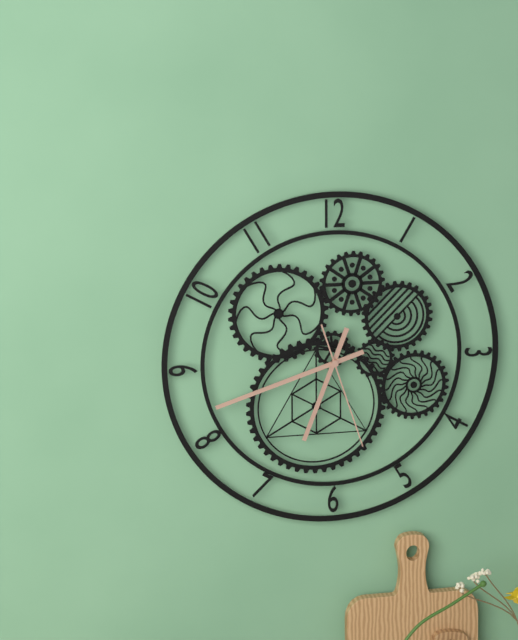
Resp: 6.42.27
